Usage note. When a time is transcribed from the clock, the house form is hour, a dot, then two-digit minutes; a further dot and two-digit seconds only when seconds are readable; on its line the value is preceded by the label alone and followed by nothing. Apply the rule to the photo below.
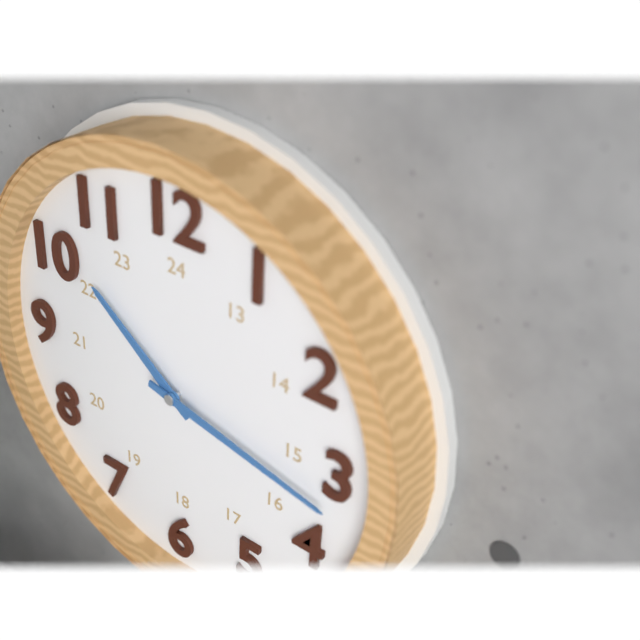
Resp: 10.17
